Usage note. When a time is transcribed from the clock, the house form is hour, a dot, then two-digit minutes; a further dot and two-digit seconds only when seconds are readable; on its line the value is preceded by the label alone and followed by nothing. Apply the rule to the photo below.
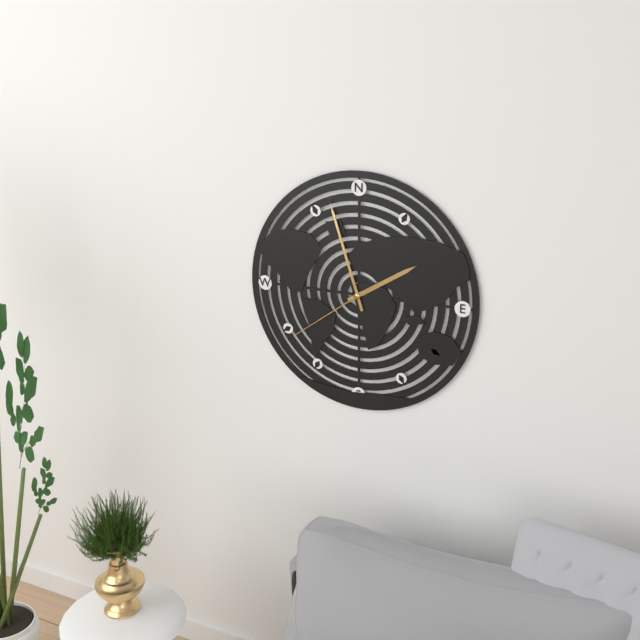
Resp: 1.57.39
